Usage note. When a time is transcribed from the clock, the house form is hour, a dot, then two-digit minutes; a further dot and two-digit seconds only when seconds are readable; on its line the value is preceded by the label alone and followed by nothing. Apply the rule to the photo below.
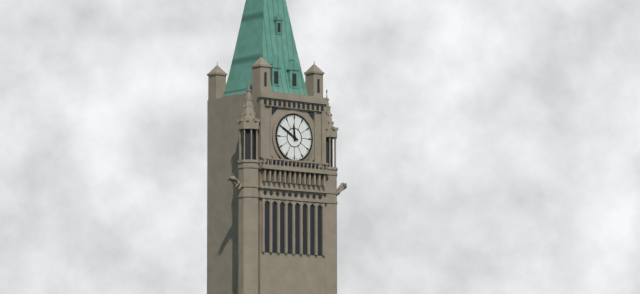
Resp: 11.50
